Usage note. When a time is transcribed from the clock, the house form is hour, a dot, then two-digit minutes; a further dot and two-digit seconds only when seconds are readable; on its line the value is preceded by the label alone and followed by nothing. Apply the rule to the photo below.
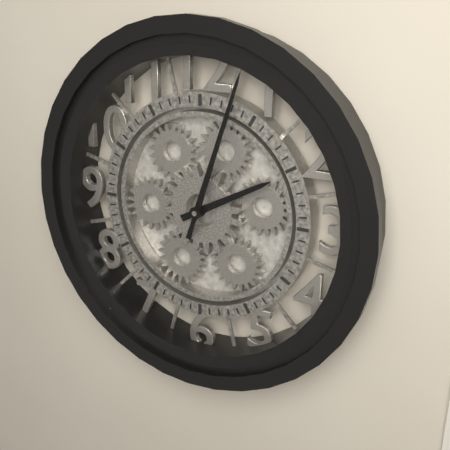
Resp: 2.03
